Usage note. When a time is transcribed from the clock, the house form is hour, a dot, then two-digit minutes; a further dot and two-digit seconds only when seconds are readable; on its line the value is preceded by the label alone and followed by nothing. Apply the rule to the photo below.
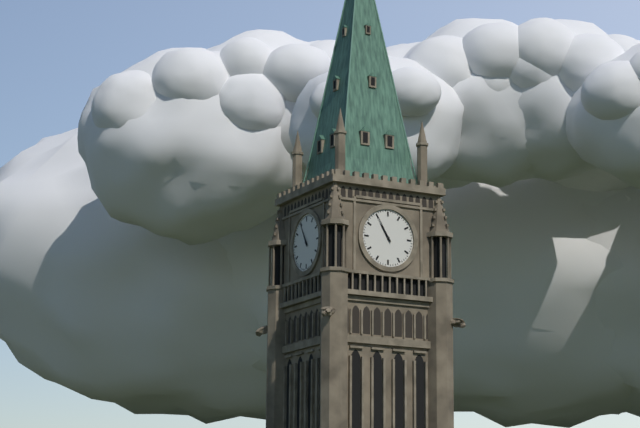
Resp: 10.55
